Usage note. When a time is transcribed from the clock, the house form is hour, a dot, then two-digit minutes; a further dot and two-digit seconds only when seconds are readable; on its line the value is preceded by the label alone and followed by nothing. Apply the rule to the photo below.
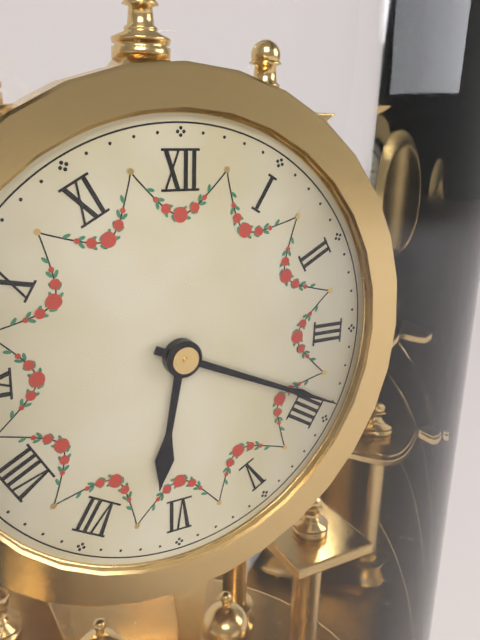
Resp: 6.19
